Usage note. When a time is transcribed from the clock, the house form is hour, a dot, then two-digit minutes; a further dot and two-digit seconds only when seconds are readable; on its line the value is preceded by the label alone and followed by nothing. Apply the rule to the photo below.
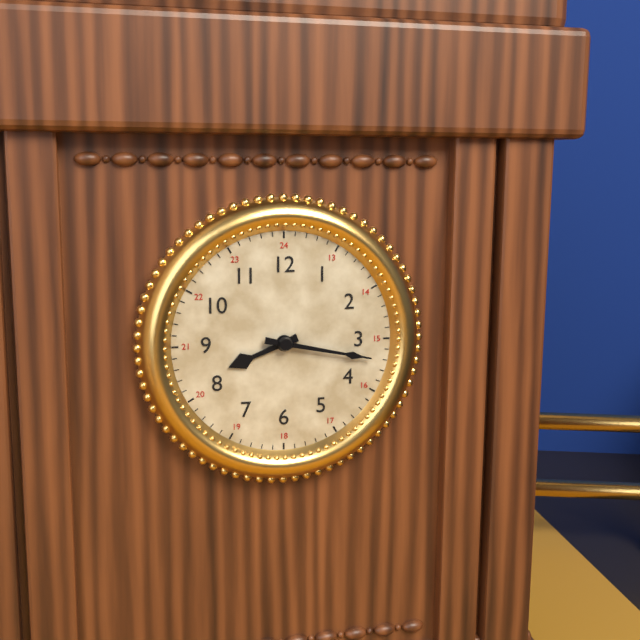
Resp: 8.17
